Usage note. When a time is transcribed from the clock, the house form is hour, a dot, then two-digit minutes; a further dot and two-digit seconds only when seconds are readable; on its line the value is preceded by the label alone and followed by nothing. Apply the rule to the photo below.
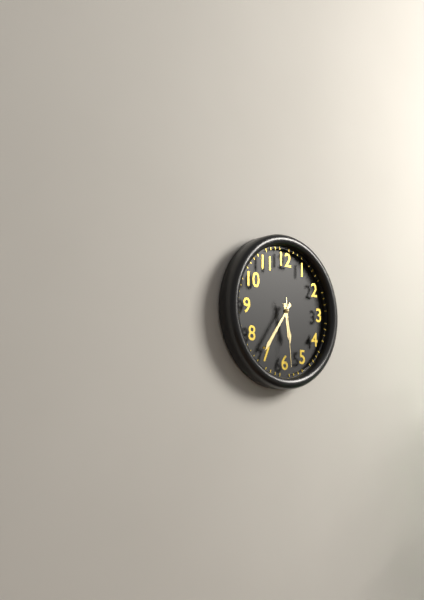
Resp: 5.36.29
